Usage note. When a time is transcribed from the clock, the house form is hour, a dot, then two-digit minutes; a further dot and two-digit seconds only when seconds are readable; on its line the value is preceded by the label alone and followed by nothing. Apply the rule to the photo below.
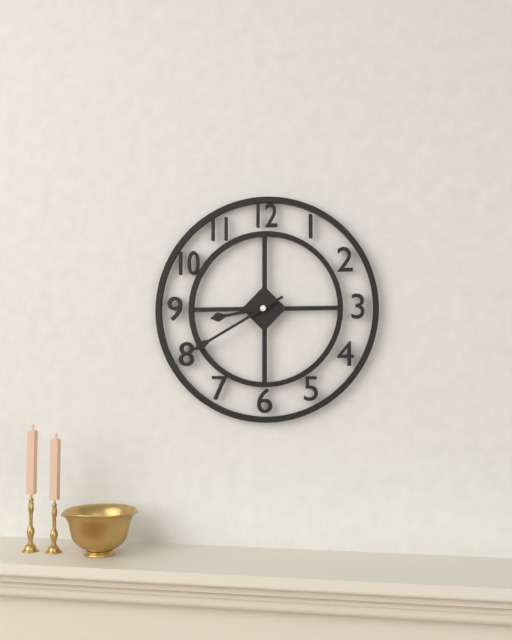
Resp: 8.40
